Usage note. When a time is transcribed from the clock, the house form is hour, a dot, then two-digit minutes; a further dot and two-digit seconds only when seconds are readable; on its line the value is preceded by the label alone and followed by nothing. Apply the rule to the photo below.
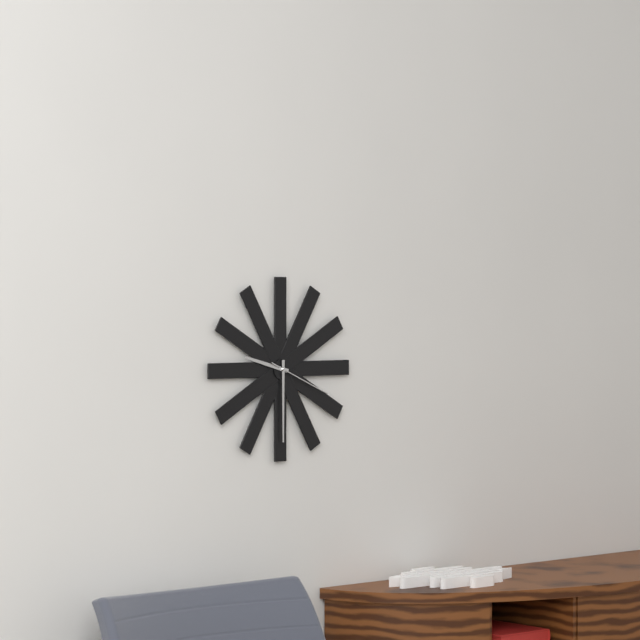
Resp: 9.30.19
